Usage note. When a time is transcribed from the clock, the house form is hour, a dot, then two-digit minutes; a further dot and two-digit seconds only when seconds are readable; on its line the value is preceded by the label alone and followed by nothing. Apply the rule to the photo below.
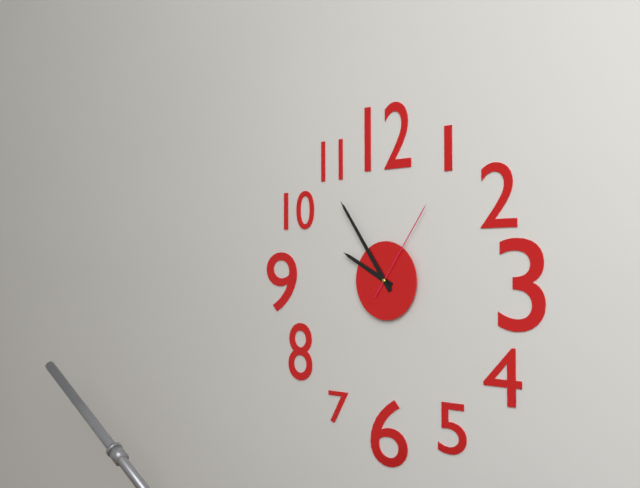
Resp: 9.54.06
